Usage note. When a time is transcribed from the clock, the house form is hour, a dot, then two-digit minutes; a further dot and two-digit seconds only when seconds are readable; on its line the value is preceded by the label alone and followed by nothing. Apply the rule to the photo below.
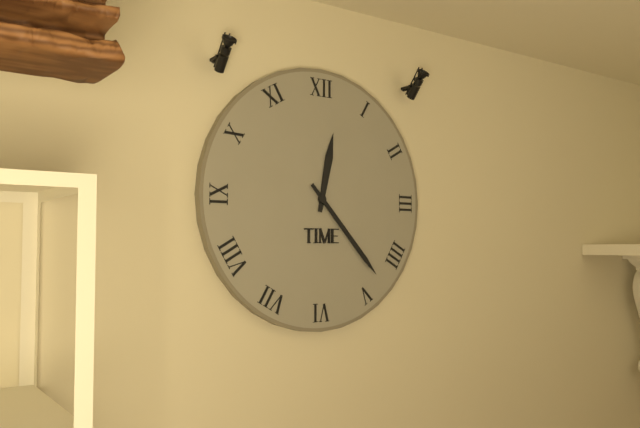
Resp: 12.23
